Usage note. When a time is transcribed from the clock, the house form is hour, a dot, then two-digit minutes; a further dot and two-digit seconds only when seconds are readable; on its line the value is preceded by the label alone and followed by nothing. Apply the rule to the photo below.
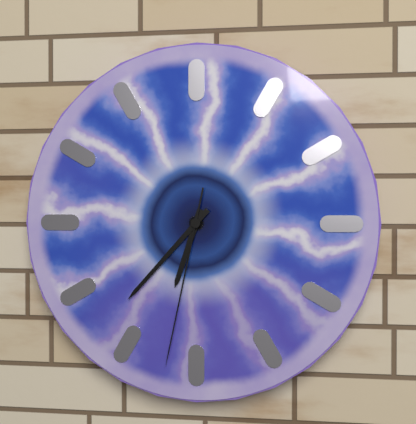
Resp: 6.37.32
